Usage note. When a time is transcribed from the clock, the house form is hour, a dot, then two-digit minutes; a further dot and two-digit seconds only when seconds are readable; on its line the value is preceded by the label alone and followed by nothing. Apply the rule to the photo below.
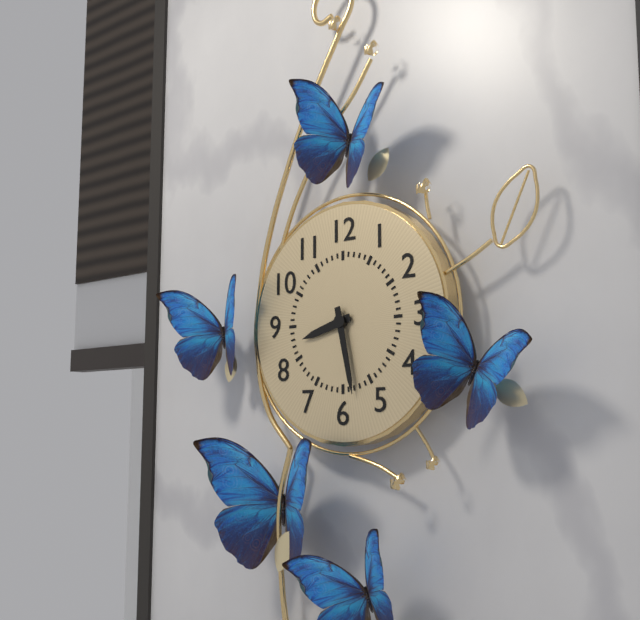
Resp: 8.28
